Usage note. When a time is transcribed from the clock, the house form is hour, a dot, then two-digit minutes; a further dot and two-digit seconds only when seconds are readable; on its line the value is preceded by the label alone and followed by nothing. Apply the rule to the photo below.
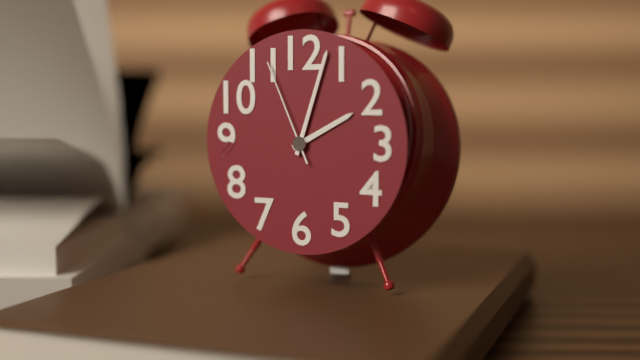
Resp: 2.03.56
